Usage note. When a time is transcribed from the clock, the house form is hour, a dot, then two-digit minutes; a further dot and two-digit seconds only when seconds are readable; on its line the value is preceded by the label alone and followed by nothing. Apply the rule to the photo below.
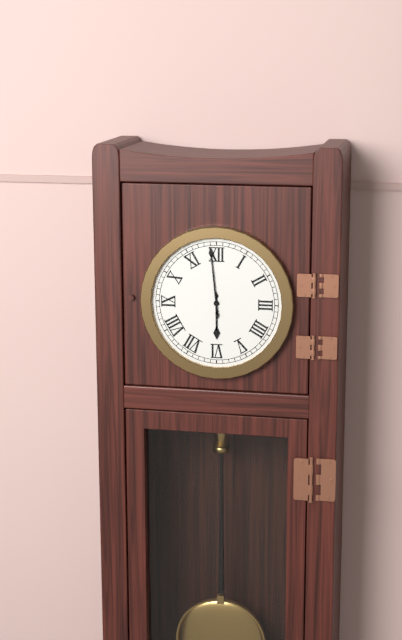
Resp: 5.59
